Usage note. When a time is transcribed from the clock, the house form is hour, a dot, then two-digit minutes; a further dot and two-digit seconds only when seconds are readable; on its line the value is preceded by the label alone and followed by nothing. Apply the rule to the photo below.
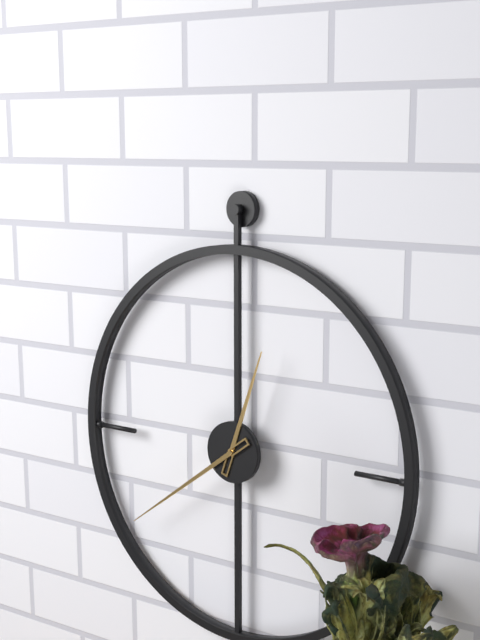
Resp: 12.39
